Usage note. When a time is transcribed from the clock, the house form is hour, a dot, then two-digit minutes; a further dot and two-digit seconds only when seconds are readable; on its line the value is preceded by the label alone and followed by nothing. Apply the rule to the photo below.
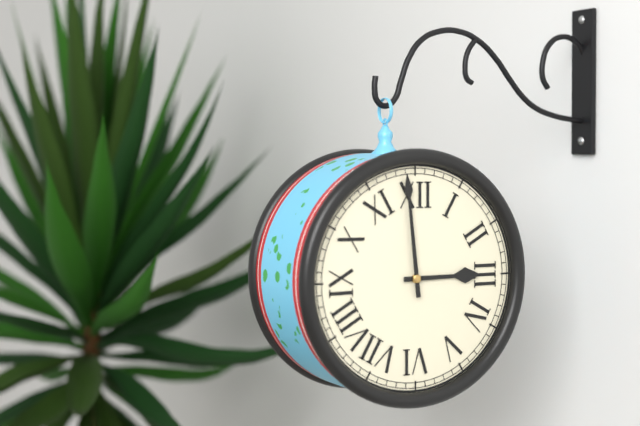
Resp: 2.59
